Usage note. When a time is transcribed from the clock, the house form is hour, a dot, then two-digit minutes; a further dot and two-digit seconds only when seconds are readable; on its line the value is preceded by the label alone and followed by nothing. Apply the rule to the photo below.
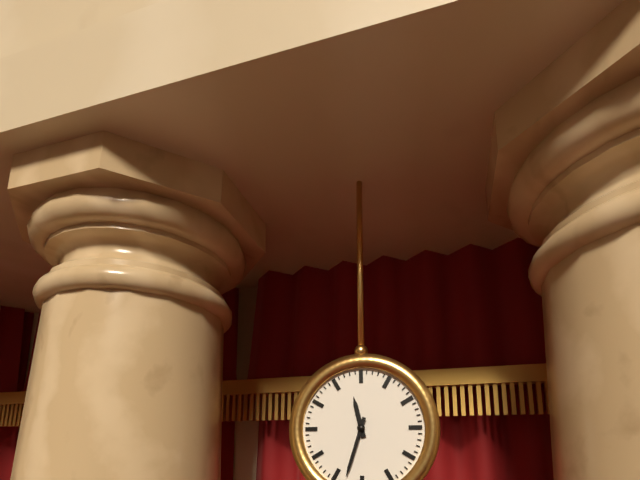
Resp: 11.33
